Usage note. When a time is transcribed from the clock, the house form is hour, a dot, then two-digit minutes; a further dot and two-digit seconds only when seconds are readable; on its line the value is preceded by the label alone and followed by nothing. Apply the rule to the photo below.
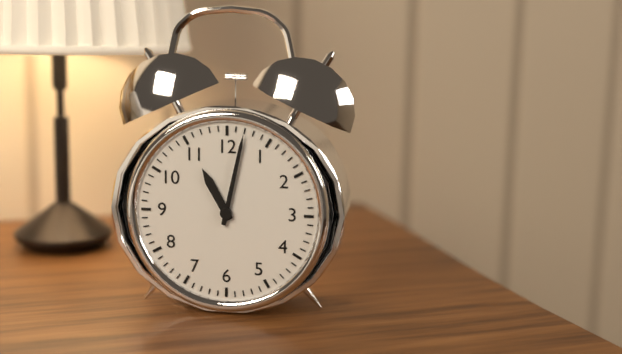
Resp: 11.02
